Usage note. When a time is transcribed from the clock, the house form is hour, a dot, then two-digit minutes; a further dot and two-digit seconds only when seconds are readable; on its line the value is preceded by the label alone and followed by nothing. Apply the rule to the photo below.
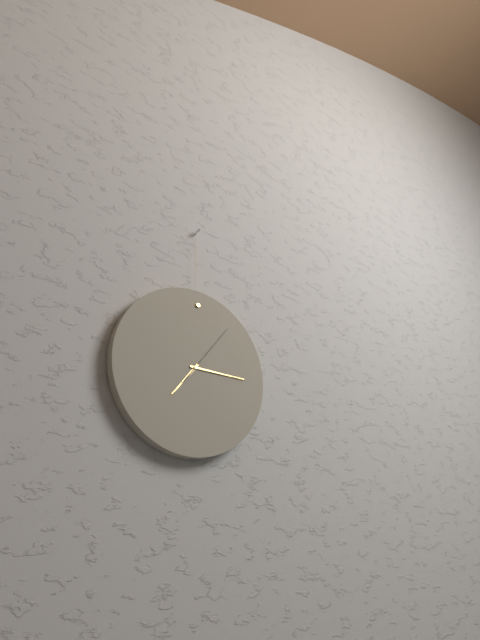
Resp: 7.15.06
